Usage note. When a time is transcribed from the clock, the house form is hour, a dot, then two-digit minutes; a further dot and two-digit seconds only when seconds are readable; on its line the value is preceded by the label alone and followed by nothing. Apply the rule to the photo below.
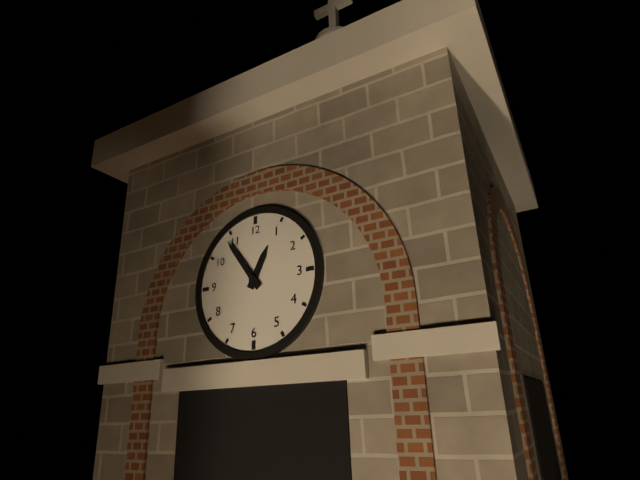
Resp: 12.54
